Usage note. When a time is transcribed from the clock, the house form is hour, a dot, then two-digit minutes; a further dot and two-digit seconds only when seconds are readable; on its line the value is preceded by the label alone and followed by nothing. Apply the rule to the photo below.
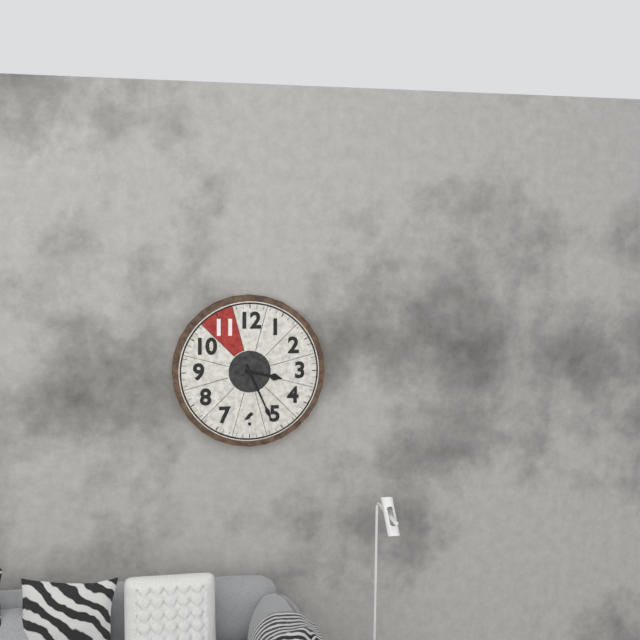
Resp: 3.26
